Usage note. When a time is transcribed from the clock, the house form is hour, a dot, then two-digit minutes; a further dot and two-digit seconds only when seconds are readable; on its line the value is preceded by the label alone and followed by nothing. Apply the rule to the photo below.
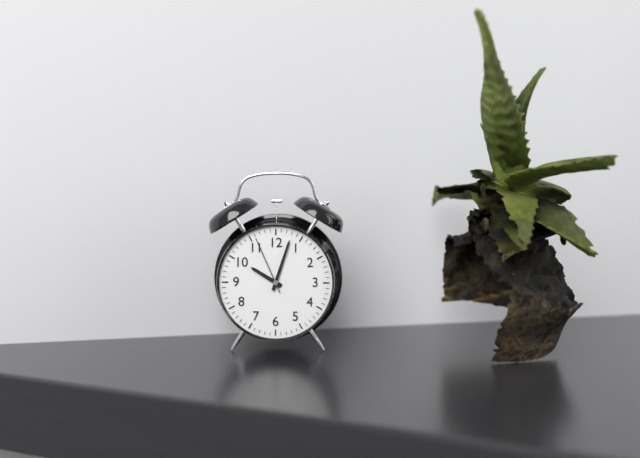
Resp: 10.03.56
